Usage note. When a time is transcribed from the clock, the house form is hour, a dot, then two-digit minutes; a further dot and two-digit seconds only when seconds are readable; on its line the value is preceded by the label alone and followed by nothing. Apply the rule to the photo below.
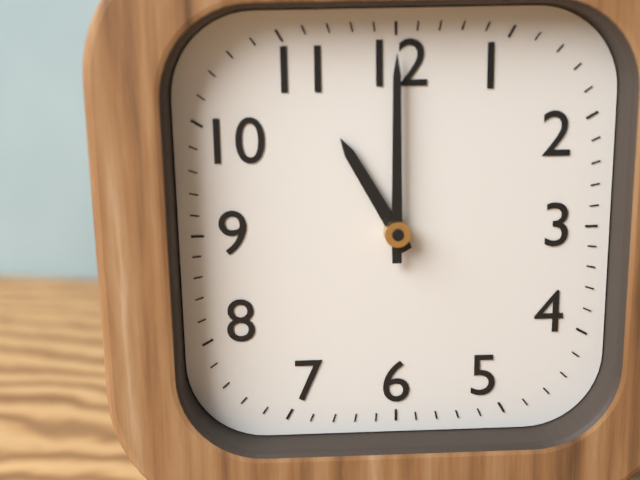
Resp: 11.00
